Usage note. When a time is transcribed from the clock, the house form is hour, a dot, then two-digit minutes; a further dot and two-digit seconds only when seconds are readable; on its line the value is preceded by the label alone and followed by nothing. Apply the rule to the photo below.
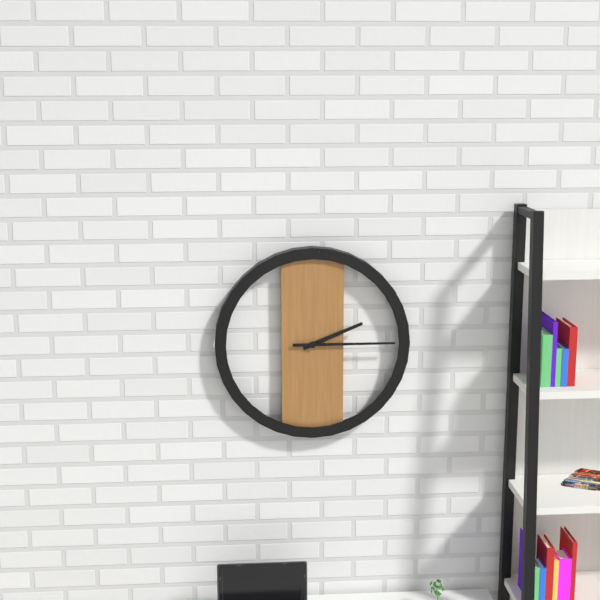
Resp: 2.15
